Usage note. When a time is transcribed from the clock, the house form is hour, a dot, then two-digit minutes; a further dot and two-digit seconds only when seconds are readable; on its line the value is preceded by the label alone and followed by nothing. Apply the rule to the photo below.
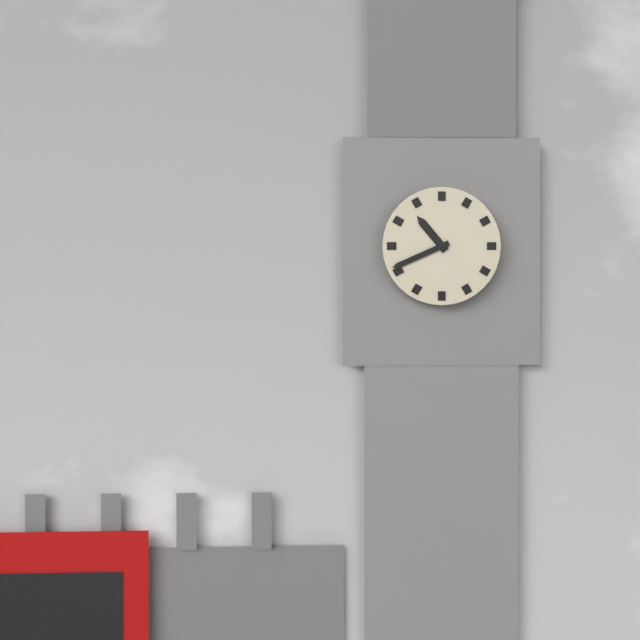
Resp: 10.41
